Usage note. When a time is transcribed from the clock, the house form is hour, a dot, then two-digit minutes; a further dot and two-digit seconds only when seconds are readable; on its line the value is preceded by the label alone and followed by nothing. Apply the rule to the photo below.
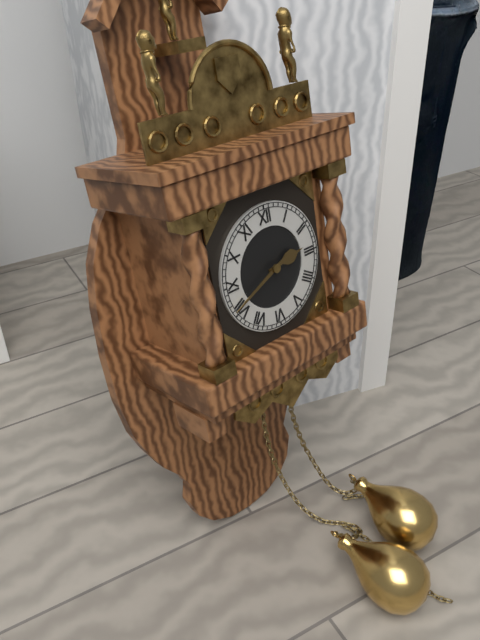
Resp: 2.41
